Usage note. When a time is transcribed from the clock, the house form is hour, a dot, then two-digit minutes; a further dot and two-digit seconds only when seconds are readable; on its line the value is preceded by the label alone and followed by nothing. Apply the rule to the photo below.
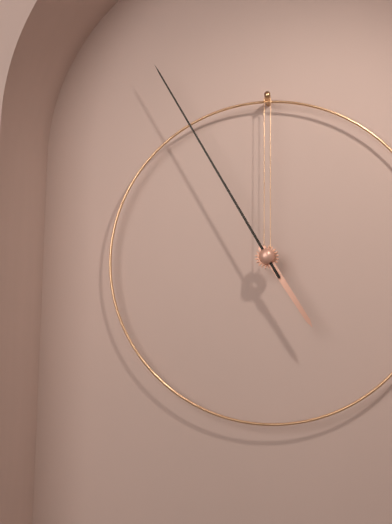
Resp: 4.55
